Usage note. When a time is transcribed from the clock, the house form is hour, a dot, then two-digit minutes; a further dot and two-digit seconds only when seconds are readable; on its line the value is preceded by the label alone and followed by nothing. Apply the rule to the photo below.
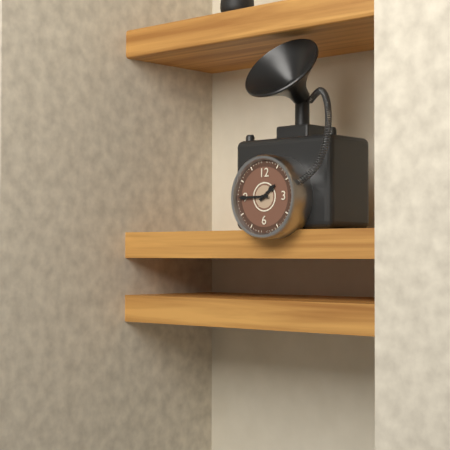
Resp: 1.45
